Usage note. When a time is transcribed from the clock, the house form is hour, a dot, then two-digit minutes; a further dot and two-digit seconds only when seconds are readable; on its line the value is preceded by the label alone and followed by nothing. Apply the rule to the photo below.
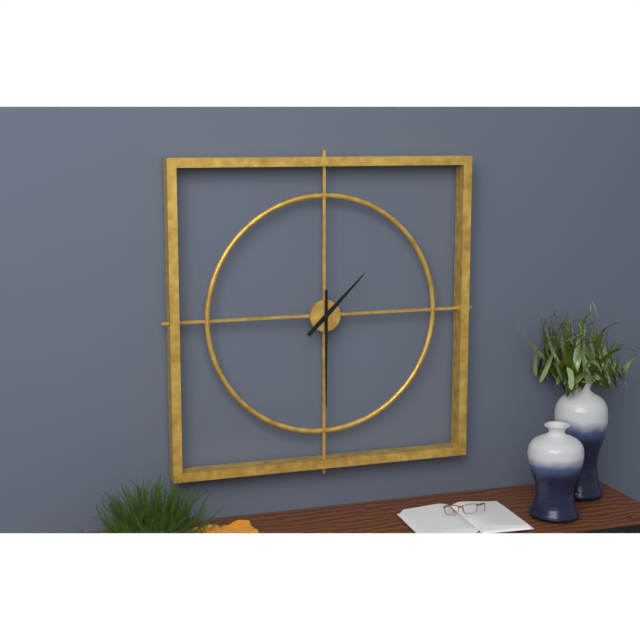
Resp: 1.30
